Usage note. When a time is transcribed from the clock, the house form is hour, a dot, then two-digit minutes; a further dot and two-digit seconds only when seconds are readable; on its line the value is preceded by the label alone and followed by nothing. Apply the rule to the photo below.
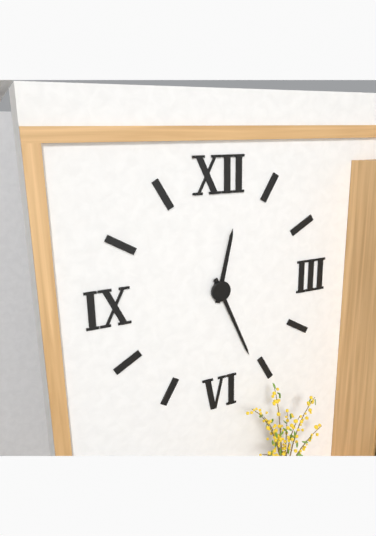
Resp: 12.26
